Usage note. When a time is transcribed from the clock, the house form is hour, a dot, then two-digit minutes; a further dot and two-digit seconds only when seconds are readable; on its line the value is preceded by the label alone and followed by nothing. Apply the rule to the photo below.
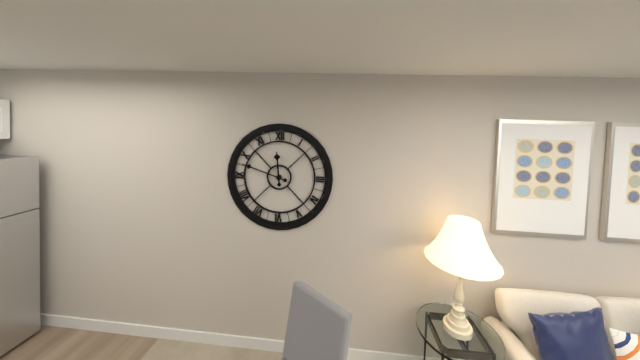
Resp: 11.48
